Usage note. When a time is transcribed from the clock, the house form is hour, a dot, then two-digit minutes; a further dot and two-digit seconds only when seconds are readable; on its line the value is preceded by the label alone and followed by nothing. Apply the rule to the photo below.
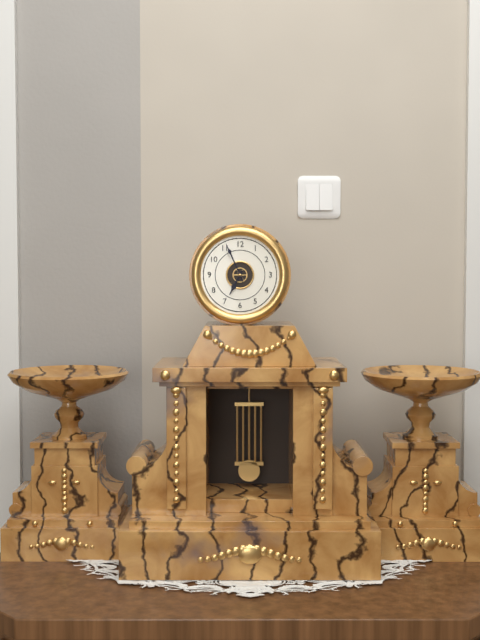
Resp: 6.56
